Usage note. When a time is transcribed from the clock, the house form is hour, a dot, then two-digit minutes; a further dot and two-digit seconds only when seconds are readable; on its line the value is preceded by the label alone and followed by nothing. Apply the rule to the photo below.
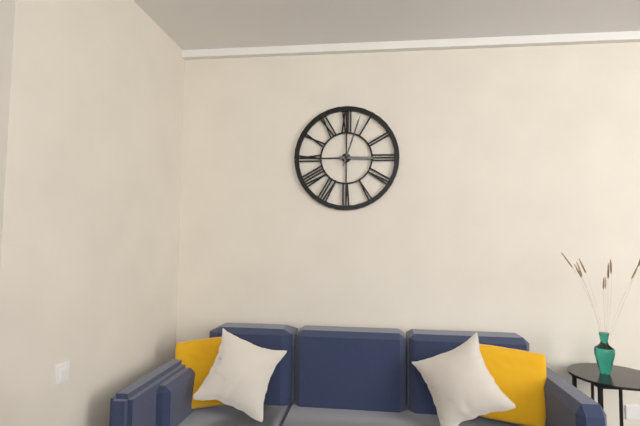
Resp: 3.03
